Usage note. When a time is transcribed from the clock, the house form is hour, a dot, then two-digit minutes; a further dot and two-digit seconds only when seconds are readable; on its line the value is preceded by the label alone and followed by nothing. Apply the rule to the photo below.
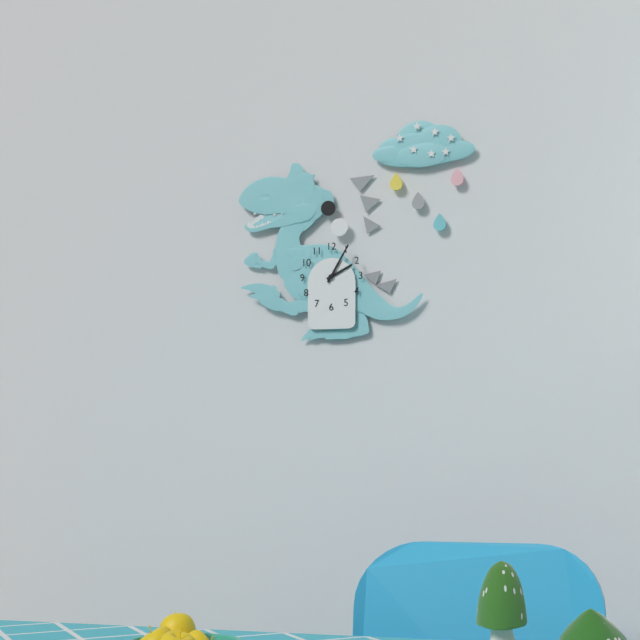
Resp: 2.05
